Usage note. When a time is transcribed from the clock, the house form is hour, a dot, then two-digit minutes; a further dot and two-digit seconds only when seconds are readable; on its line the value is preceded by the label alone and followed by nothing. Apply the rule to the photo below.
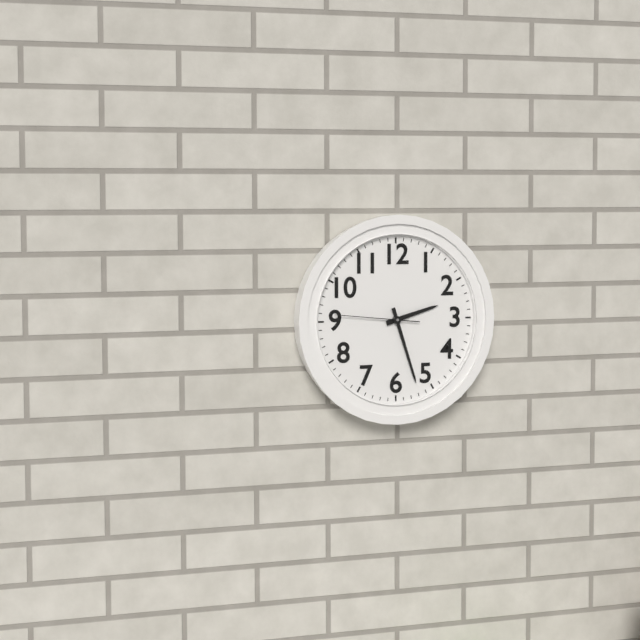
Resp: 2.27.46
